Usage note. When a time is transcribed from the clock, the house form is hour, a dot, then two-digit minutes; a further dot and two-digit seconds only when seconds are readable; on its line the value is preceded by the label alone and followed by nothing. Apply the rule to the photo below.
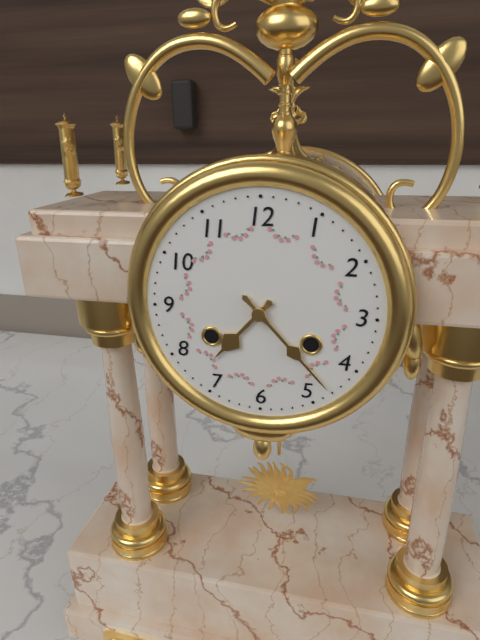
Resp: 7.23
